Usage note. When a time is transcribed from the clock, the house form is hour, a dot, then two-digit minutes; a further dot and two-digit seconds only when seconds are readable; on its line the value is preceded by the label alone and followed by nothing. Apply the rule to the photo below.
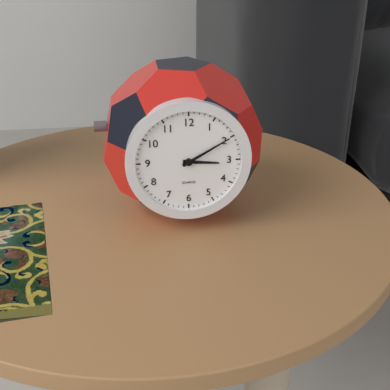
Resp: 3.10
